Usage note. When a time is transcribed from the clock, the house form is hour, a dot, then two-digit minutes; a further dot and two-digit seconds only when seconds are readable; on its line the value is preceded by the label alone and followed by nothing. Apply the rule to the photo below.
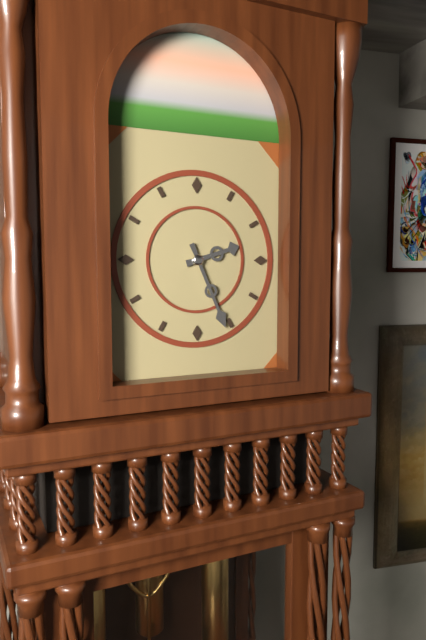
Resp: 2.26
